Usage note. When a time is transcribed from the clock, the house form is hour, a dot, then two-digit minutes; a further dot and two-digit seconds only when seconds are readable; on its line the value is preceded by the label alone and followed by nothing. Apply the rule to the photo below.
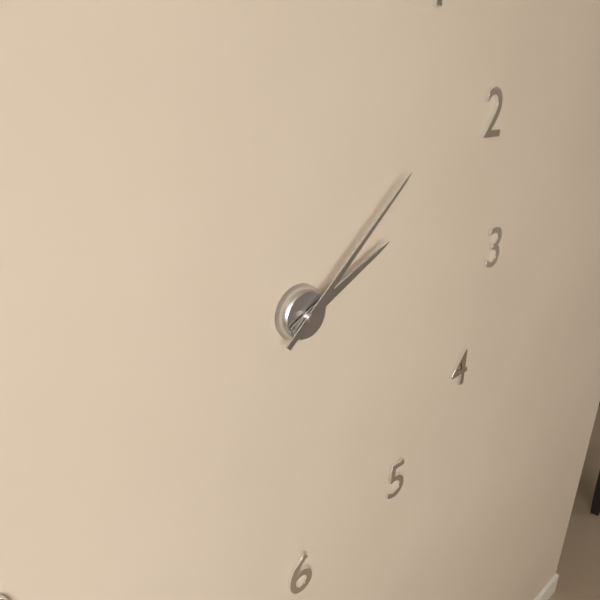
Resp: 2.08
